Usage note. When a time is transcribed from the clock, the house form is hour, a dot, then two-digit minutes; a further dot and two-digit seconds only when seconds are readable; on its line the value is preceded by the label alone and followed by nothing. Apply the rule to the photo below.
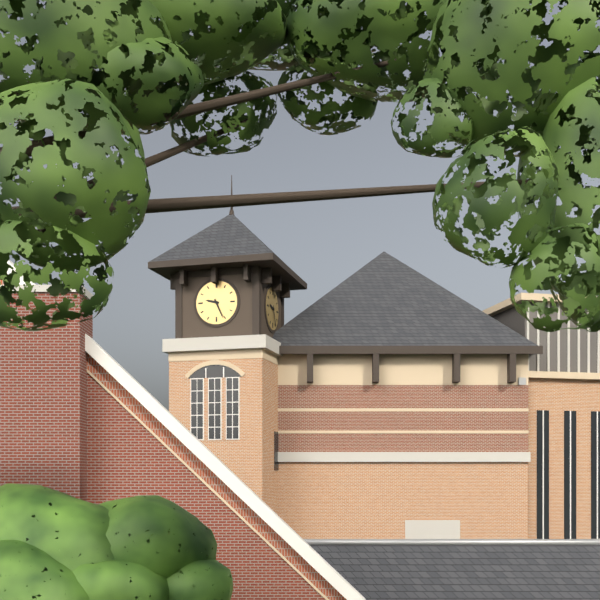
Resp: 9.26
